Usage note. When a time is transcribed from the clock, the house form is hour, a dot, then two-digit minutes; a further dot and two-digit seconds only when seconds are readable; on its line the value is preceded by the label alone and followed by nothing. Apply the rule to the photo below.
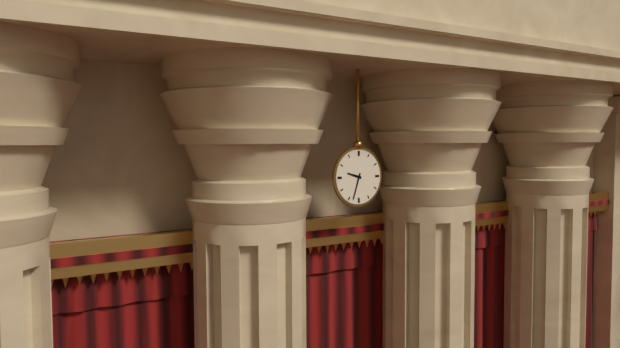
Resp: 9.33
